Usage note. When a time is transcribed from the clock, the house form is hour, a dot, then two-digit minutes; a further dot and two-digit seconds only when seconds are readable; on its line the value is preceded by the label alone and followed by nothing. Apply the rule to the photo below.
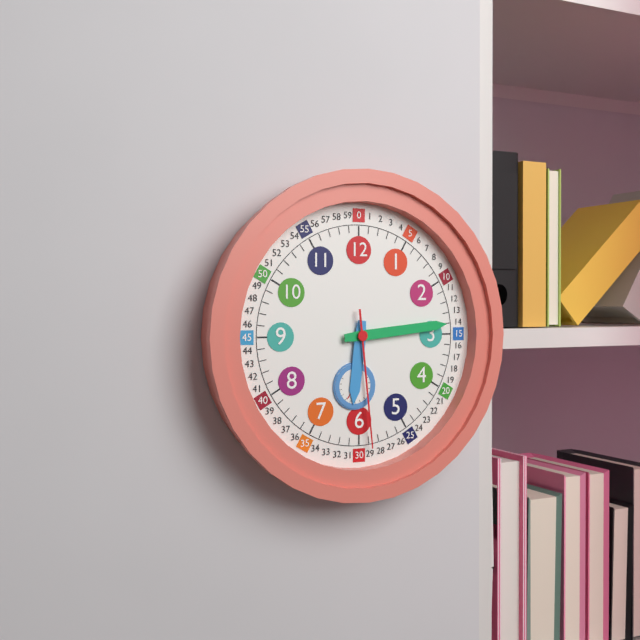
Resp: 6.14.29
